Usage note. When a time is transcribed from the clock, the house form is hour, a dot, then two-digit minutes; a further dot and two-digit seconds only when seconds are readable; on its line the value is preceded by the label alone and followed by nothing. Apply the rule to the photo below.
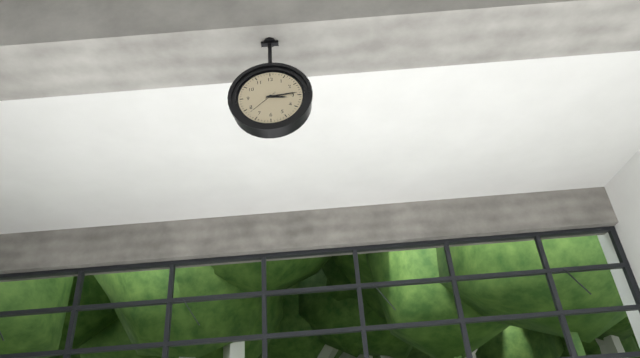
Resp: 3.14
